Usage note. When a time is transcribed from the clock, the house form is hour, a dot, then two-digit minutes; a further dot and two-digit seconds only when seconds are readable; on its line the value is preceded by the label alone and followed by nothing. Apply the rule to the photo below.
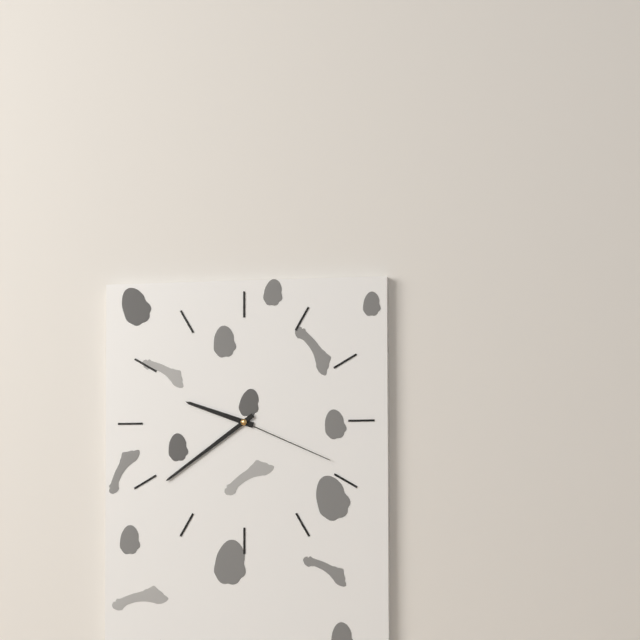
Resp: 9.39.19
